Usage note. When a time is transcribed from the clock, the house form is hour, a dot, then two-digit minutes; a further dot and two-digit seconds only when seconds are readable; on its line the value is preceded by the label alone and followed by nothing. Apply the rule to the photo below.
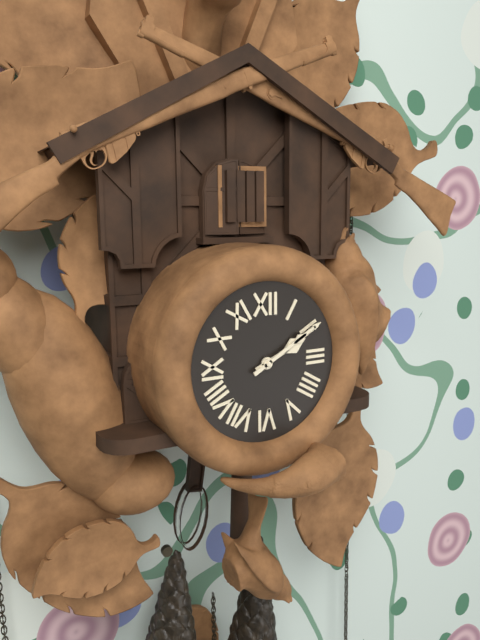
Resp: 2.10
